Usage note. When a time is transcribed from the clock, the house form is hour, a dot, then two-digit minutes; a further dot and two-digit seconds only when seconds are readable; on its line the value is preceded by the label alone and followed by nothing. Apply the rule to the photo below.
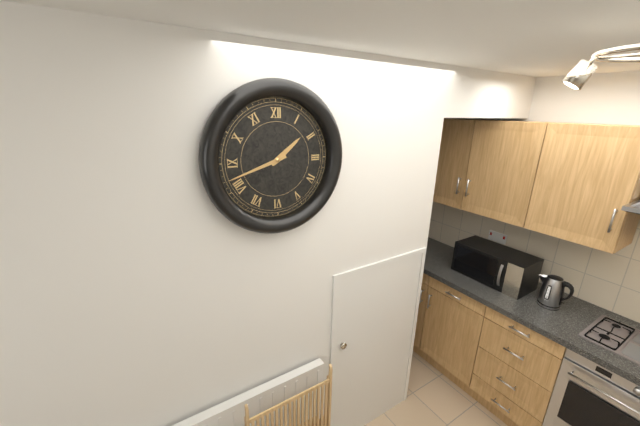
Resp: 1.42
